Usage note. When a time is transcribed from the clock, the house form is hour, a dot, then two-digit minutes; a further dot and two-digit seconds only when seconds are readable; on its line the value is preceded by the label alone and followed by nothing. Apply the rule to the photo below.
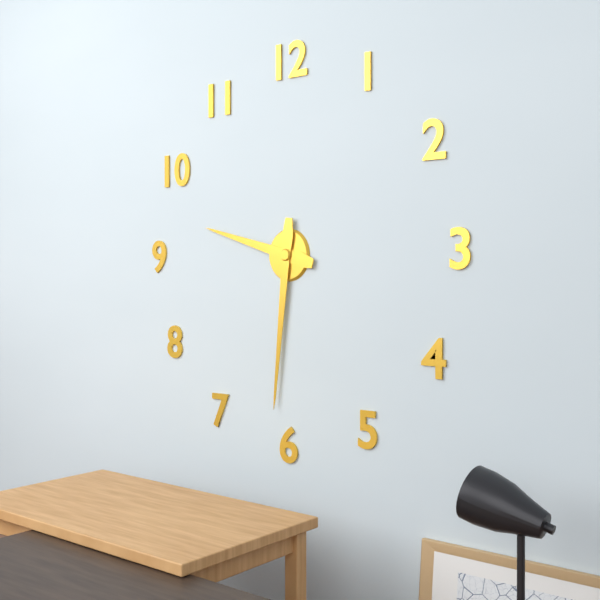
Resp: 9.31
